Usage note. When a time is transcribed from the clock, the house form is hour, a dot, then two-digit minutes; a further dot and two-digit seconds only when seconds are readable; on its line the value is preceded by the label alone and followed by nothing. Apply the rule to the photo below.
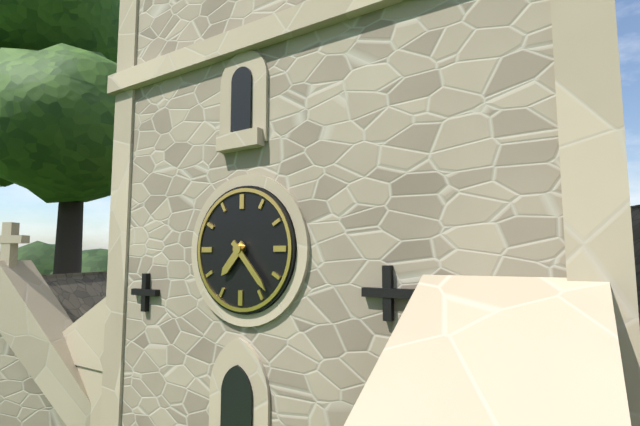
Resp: 7.23
